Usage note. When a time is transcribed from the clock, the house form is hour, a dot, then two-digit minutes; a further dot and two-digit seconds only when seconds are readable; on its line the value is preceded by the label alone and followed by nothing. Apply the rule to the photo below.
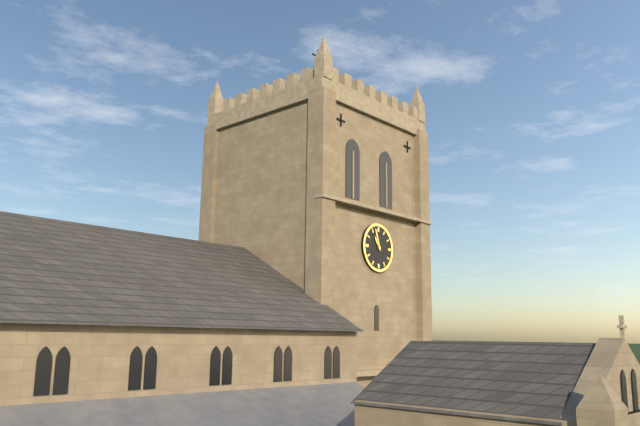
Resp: 10.57
